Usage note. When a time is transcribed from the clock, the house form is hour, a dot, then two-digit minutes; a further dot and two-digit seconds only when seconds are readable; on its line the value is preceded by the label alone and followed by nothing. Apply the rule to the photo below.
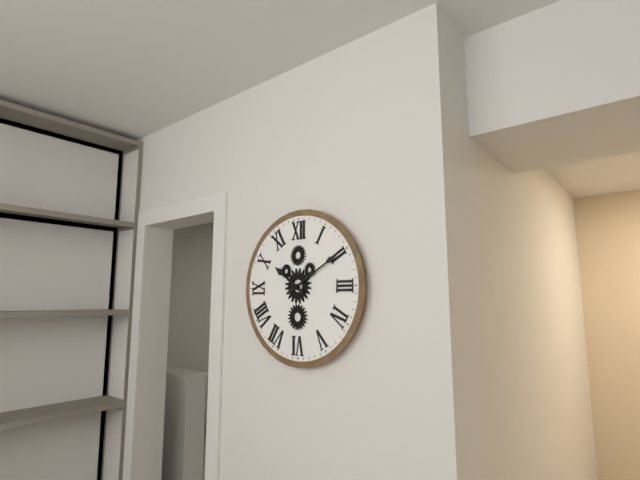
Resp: 10.10
